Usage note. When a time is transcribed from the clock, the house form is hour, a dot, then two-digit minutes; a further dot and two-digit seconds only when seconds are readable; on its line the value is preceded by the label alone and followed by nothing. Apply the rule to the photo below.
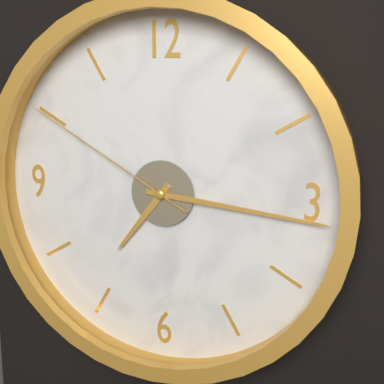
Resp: 7.16.50
